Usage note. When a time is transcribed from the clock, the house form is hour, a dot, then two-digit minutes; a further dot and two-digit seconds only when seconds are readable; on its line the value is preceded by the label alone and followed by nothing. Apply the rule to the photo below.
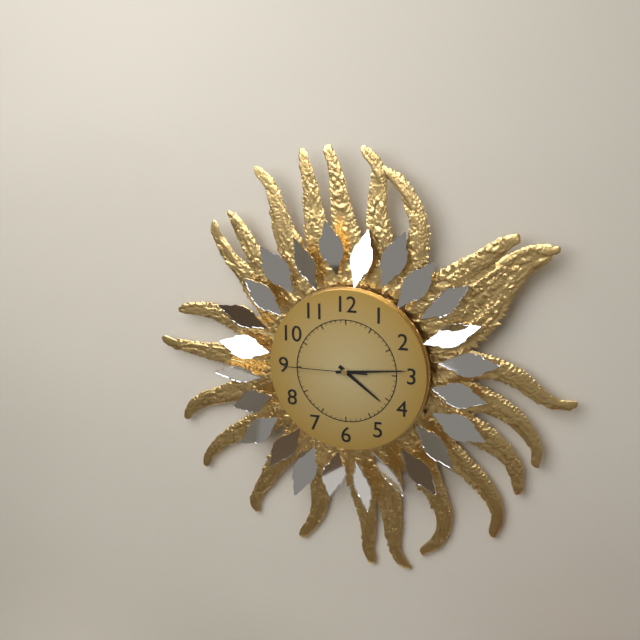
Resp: 4.14.45
